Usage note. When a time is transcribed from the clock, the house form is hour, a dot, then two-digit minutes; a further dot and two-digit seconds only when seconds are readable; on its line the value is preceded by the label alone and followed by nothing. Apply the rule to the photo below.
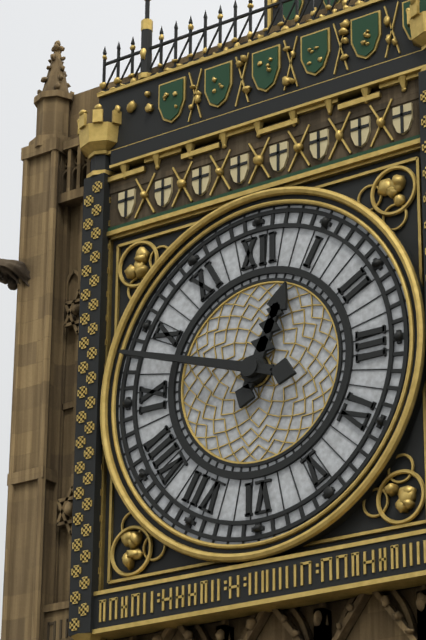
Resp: 12.48
